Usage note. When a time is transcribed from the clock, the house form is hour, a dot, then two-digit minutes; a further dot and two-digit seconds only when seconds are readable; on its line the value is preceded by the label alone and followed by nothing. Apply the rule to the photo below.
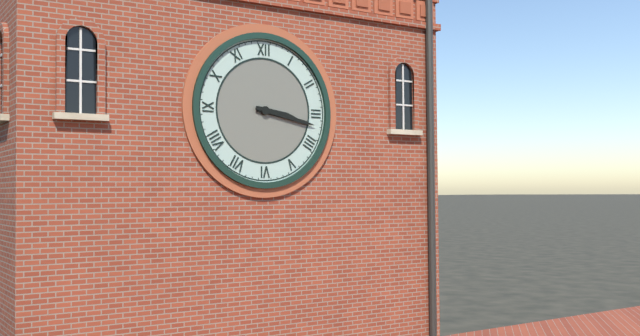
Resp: 3.17
